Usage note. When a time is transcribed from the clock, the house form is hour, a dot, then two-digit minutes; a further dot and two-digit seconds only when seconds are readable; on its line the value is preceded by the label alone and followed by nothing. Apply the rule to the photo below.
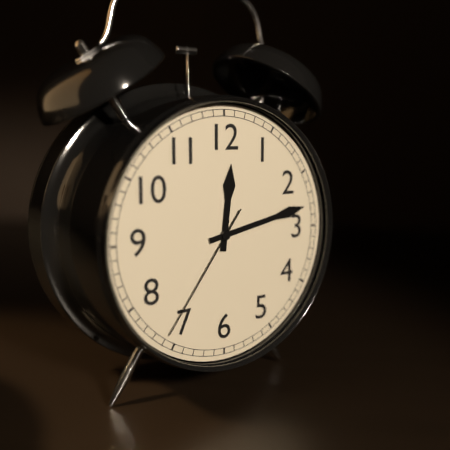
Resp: 12.13.36
